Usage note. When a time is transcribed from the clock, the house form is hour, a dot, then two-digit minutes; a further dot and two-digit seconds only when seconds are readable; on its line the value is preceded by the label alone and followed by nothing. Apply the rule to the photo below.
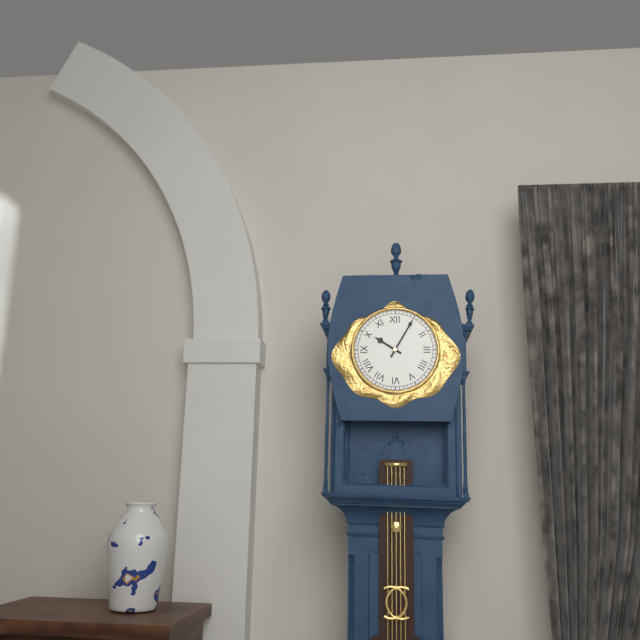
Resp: 10.05
